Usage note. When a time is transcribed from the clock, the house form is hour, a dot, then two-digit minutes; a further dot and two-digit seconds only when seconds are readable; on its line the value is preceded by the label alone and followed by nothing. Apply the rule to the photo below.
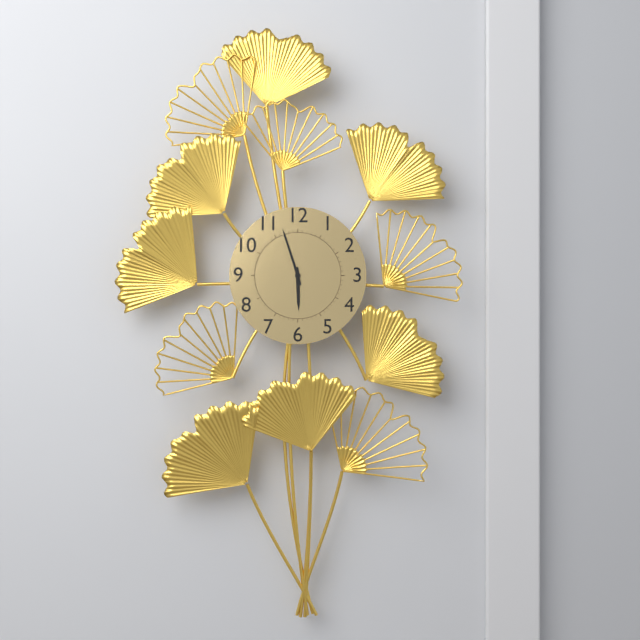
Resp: 5.57
